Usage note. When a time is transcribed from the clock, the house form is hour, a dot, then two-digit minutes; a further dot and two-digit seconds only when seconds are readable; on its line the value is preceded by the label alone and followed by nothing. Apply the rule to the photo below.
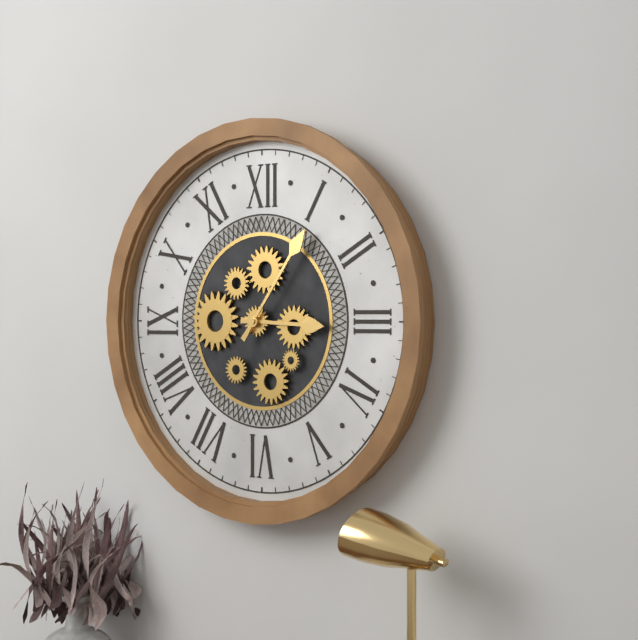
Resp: 3.06
